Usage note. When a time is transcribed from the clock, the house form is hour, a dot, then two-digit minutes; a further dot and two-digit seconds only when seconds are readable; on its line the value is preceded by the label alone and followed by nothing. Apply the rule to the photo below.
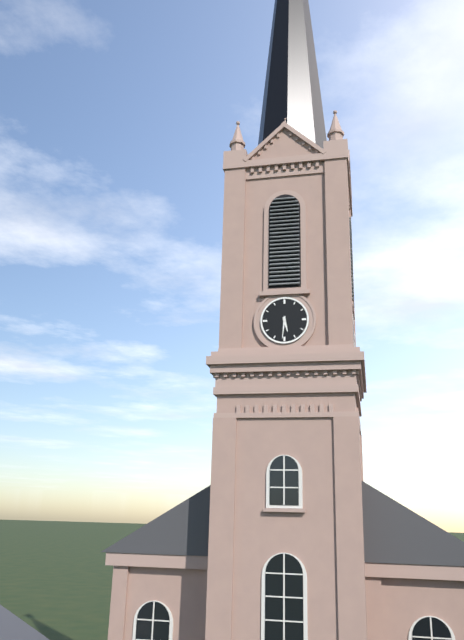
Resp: 5.31
